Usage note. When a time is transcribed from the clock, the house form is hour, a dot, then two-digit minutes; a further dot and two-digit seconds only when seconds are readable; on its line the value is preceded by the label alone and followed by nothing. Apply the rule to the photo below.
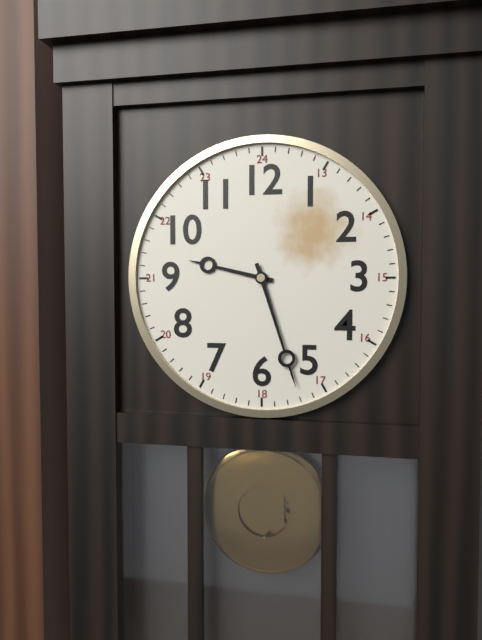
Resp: 9.27
